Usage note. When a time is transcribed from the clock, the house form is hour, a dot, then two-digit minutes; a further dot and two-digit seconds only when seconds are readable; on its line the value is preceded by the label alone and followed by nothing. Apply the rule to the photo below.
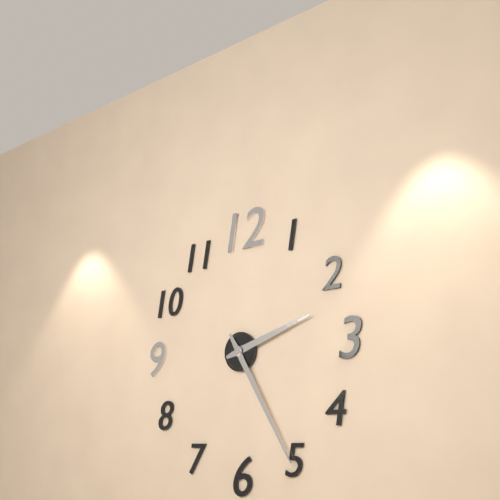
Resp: 2.25
